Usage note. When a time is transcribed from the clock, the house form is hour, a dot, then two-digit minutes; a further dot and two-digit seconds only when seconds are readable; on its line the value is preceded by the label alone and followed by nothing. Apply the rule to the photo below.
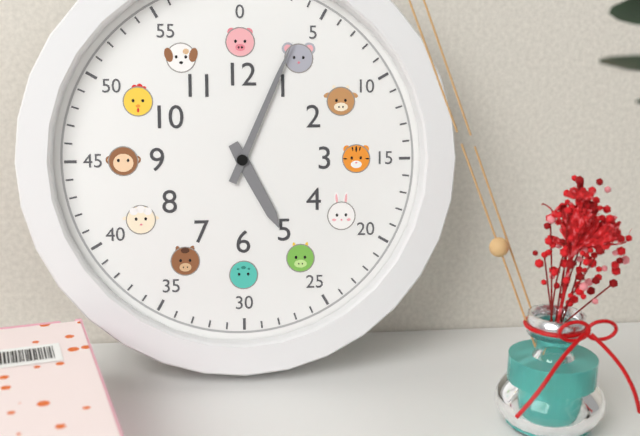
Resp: 5.04
